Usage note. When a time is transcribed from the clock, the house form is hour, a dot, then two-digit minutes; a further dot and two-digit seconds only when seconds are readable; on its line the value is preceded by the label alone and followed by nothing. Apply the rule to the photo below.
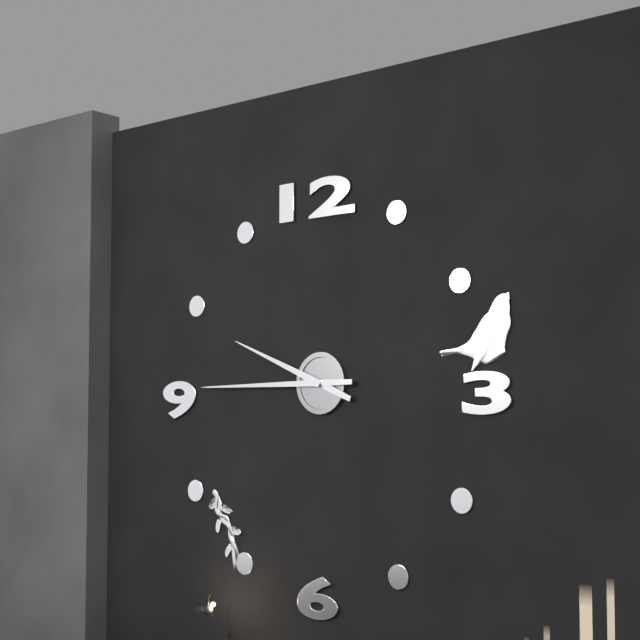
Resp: 9.45
